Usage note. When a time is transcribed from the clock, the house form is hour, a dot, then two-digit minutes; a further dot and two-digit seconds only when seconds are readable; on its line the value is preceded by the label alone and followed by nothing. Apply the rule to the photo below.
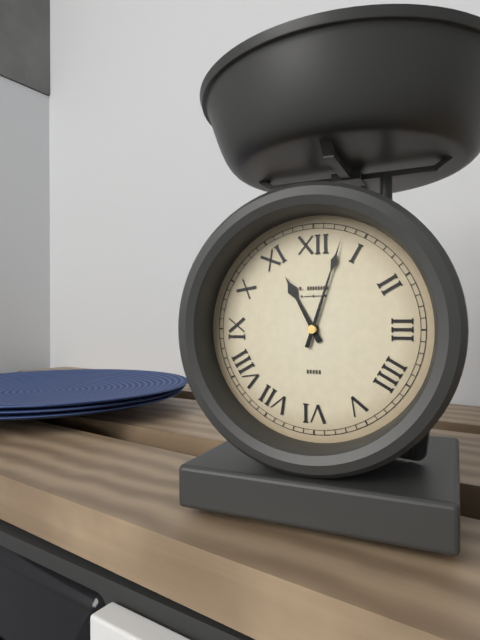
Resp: 11.03
